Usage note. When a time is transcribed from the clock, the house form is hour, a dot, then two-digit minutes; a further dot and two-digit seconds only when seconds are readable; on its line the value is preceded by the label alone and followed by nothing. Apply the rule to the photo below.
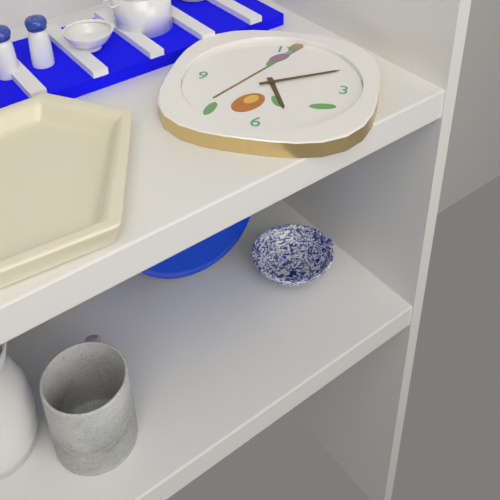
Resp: 5.10
